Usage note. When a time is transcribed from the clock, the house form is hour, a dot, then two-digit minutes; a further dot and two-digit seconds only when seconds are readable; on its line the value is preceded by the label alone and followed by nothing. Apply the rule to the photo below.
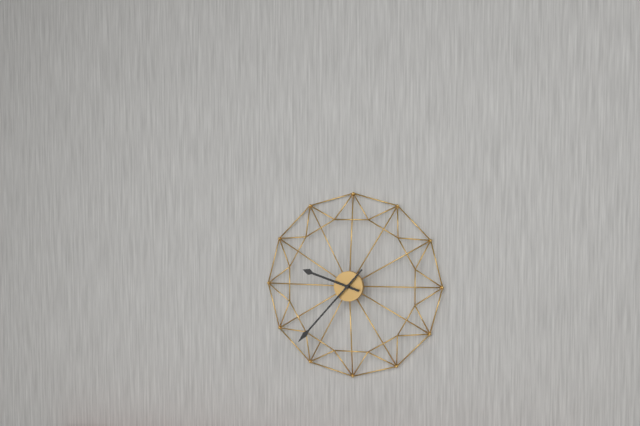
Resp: 9.37
